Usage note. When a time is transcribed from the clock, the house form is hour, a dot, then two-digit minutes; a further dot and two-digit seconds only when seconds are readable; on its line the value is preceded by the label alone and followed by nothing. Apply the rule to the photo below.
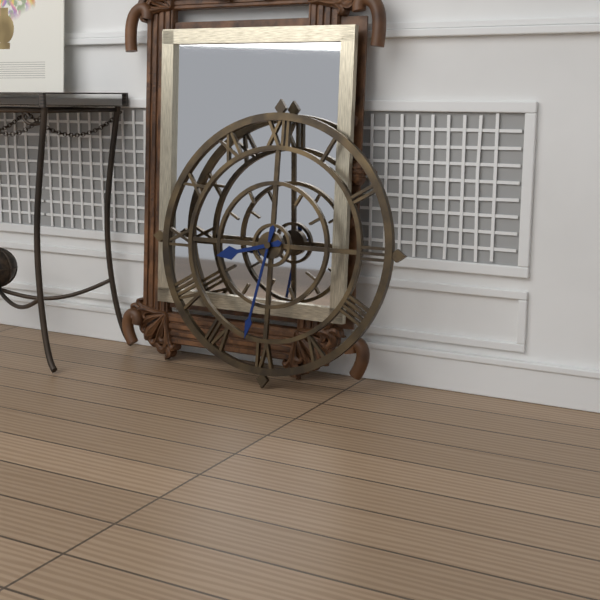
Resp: 8.32
